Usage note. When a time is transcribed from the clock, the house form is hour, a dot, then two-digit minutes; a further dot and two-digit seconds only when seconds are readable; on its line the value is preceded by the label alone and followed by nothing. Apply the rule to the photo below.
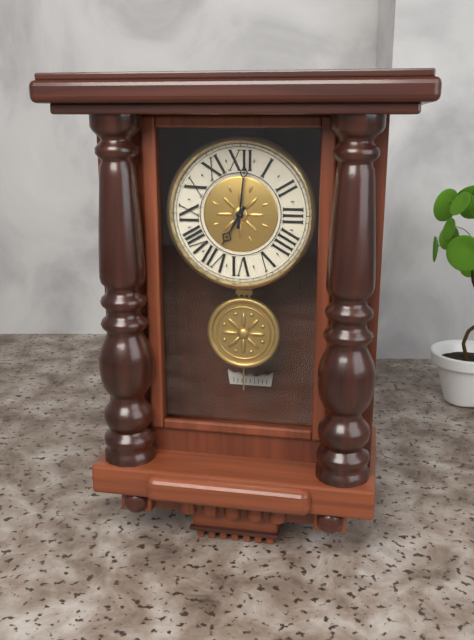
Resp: 7.01
